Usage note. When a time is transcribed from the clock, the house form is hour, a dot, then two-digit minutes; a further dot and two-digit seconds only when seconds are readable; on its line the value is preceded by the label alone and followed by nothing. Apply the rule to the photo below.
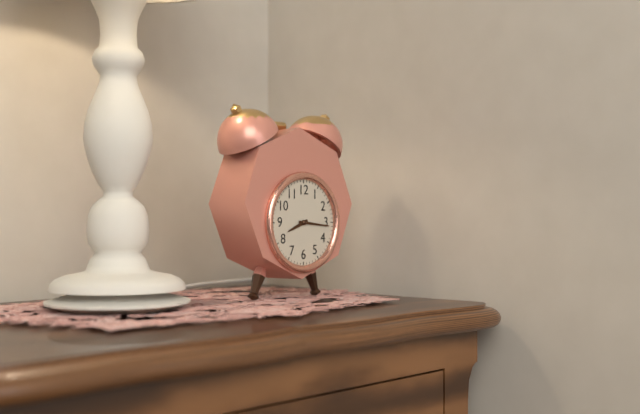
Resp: 8.16
